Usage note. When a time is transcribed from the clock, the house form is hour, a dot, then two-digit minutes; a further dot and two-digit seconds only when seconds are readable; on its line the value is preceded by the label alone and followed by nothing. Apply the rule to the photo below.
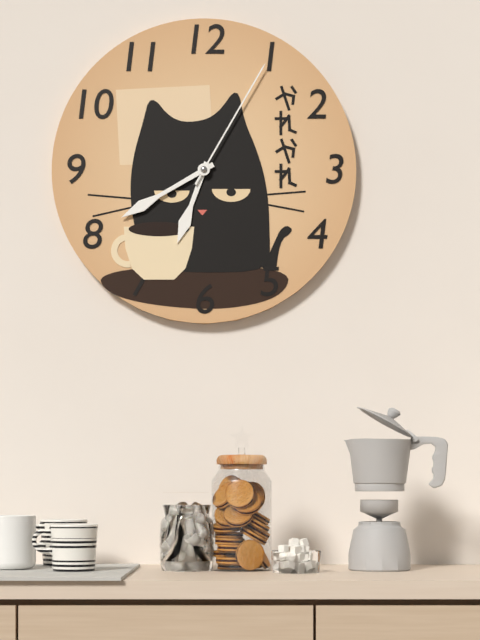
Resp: 6.40.05
